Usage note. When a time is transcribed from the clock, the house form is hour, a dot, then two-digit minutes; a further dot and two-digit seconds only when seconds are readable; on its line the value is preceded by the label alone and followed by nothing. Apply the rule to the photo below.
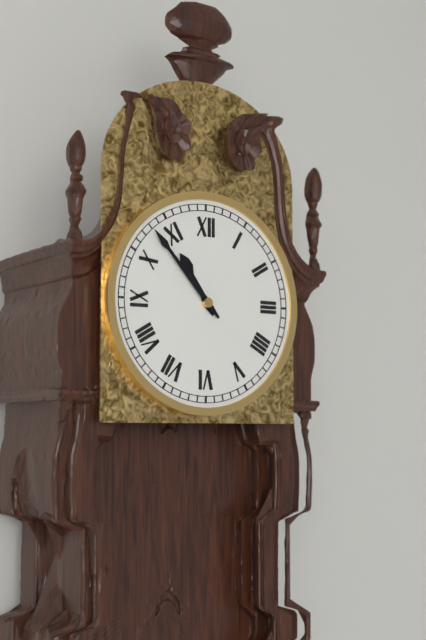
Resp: 10.53
